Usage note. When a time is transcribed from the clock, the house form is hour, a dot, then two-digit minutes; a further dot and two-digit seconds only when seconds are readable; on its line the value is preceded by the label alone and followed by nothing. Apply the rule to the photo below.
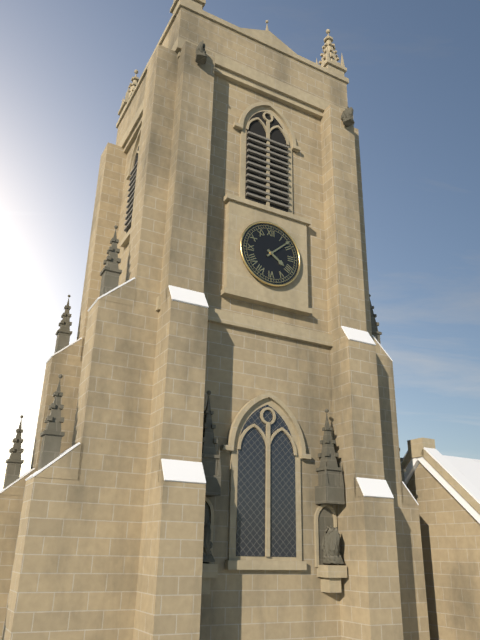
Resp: 4.08
